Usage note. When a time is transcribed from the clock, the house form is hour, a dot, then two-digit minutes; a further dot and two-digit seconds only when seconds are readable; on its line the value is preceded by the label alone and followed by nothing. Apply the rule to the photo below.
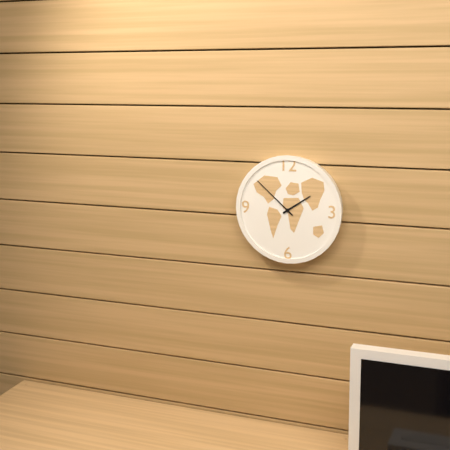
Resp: 1.52
